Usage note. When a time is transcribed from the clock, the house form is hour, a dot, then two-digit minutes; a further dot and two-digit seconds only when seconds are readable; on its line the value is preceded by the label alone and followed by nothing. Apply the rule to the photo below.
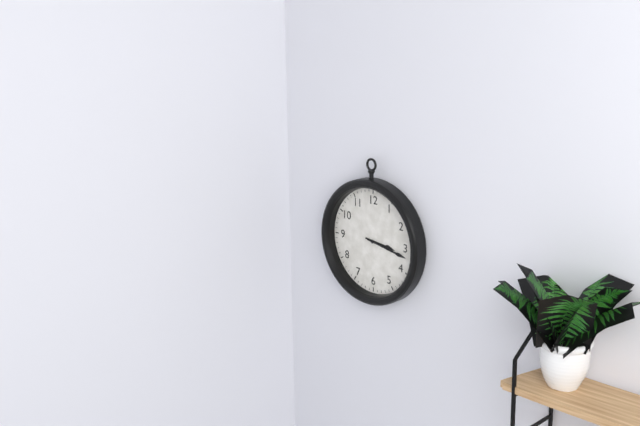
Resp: 3.17
